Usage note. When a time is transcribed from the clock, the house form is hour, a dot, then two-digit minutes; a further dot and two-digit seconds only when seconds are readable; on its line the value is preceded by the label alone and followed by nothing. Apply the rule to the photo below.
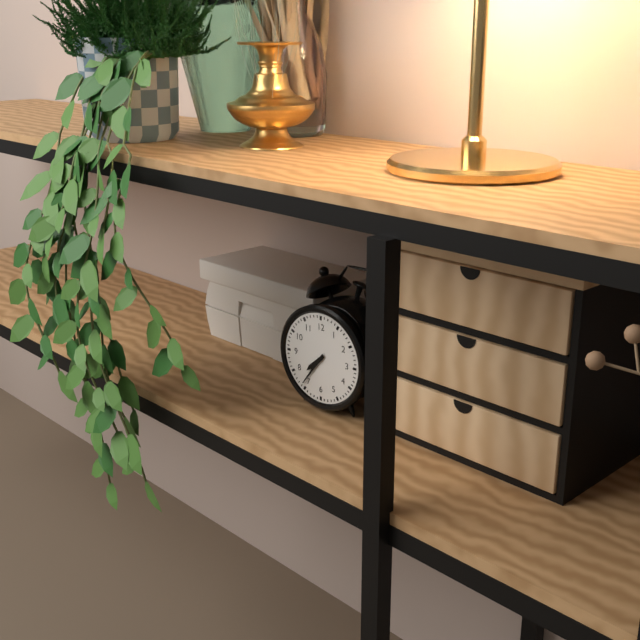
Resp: 7.36
